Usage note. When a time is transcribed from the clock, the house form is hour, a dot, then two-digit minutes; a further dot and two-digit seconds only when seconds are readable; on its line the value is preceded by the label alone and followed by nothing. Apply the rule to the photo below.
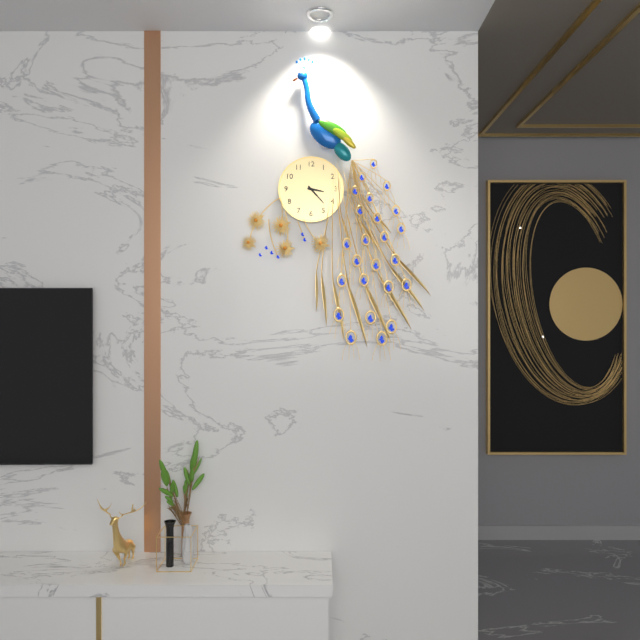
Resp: 3.23
